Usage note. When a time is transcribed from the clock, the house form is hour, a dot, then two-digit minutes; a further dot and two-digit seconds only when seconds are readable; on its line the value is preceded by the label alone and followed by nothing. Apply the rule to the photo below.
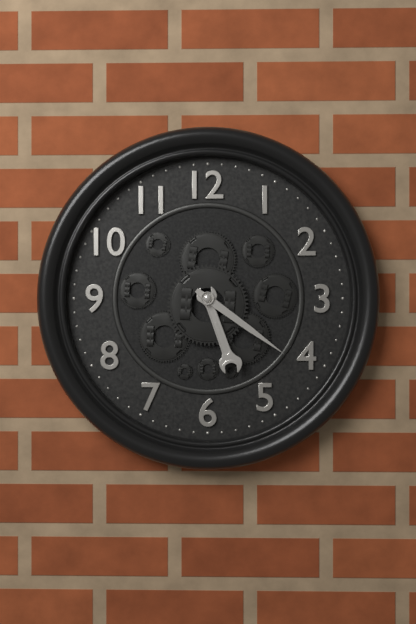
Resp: 5.21
